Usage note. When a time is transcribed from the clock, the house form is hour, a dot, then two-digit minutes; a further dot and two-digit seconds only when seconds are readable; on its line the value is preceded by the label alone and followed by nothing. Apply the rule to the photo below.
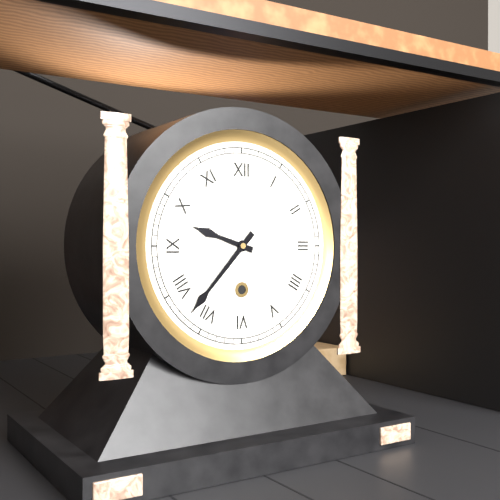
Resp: 9.37
